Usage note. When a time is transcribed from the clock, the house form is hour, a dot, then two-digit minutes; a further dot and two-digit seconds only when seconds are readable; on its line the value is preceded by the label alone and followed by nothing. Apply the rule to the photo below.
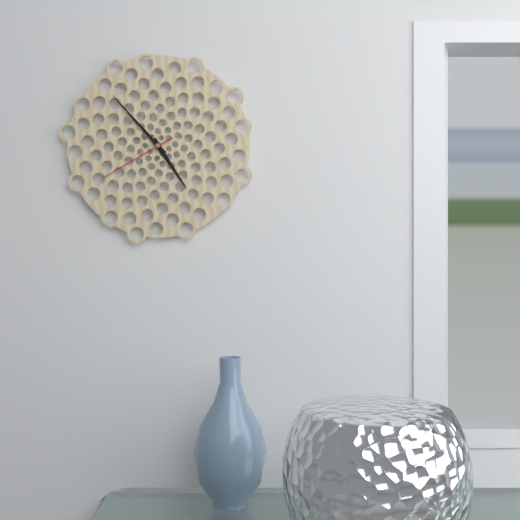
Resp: 4.53.40
